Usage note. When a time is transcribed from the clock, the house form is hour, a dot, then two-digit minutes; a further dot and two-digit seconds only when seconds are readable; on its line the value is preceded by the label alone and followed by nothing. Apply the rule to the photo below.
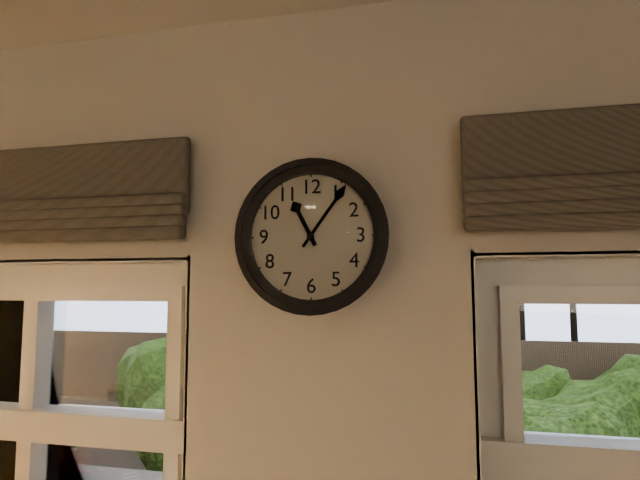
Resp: 11.06
